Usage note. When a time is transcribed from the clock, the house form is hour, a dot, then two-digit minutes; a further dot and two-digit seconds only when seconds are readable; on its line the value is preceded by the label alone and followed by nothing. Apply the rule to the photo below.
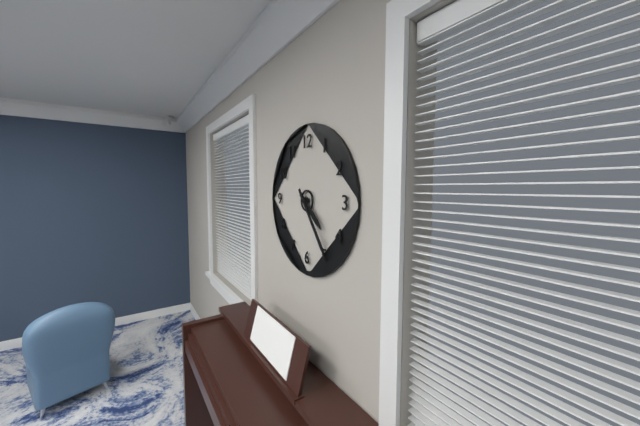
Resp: 4.24
